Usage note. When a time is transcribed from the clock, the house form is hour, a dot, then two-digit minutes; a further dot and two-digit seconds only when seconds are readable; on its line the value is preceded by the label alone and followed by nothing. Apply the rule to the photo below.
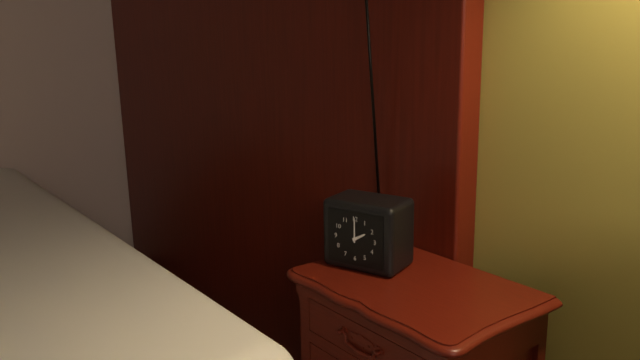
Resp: 2.00
